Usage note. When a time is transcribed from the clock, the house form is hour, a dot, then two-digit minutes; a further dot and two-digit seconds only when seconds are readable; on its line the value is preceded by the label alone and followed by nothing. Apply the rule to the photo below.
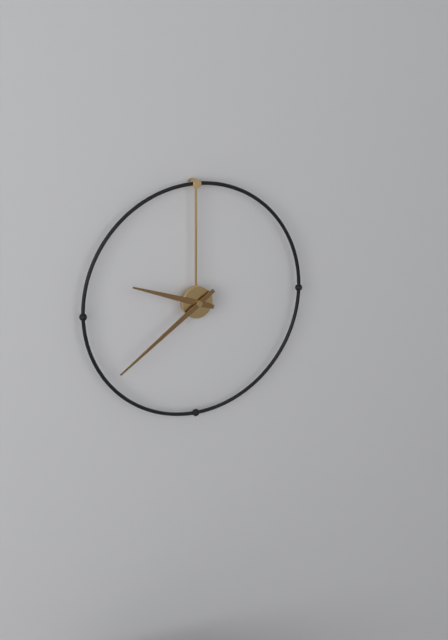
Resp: 9.39
